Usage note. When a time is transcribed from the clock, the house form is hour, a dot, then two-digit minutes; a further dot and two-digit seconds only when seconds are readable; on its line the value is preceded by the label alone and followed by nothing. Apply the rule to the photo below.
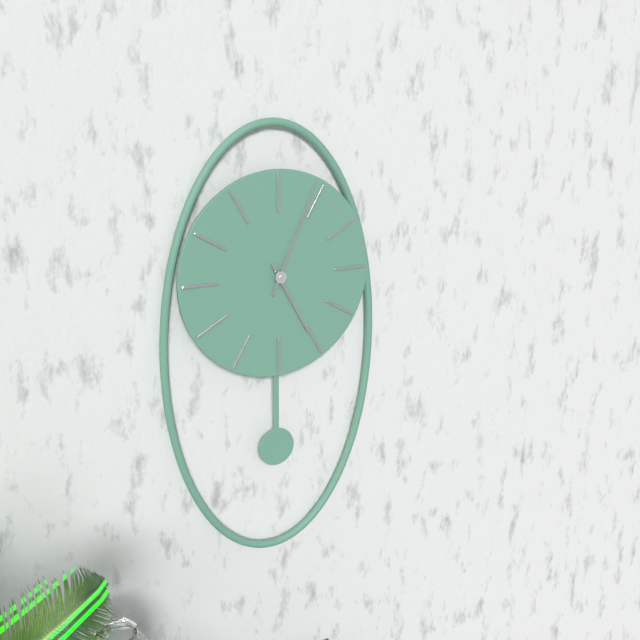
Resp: 5.04
